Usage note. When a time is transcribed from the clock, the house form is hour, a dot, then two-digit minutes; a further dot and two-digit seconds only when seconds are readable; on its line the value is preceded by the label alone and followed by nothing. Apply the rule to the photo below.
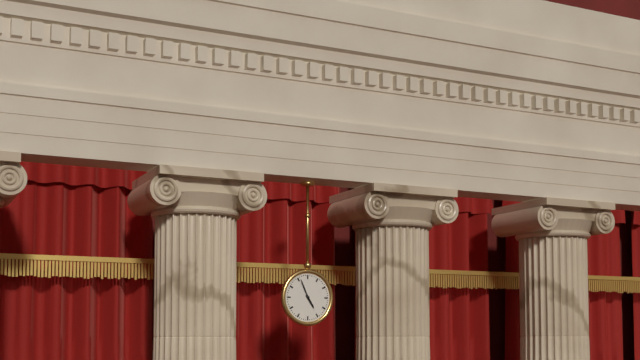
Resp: 4.56
